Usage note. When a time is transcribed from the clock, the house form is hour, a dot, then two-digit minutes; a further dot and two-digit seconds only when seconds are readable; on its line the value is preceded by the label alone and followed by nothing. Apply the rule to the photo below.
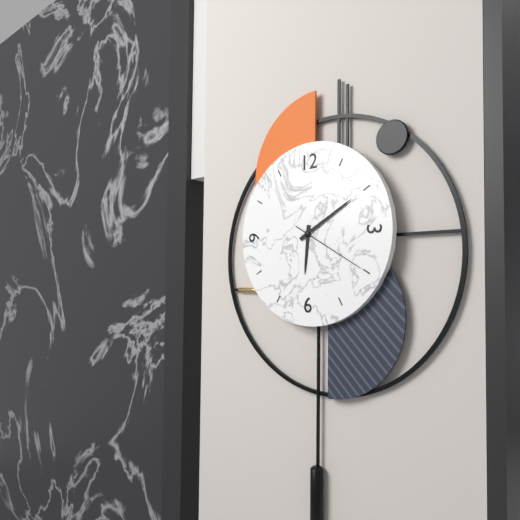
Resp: 6.10.20
